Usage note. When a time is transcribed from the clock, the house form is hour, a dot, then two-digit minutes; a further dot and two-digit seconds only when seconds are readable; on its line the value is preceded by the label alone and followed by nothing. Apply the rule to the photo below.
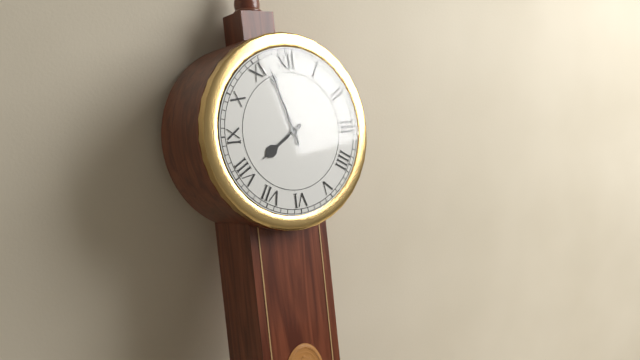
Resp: 7.57
